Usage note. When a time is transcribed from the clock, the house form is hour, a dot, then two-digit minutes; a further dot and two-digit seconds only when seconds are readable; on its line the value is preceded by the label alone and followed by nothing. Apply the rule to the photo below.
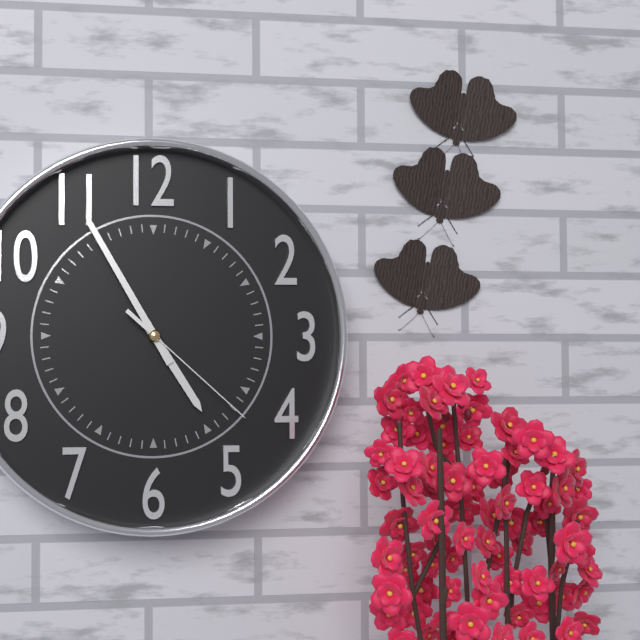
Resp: 4.55.22
